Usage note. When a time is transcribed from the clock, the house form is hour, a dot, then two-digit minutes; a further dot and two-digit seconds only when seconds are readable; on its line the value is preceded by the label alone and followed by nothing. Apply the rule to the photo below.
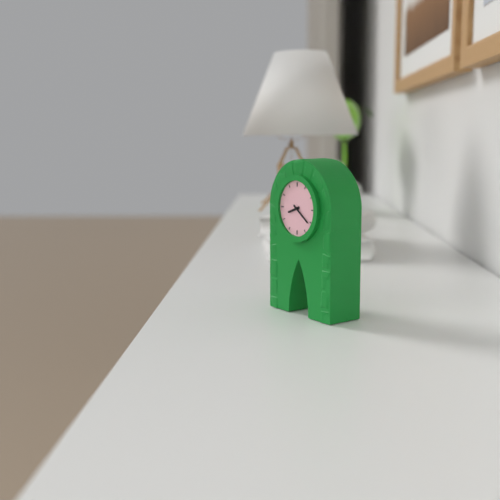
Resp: 8.21
